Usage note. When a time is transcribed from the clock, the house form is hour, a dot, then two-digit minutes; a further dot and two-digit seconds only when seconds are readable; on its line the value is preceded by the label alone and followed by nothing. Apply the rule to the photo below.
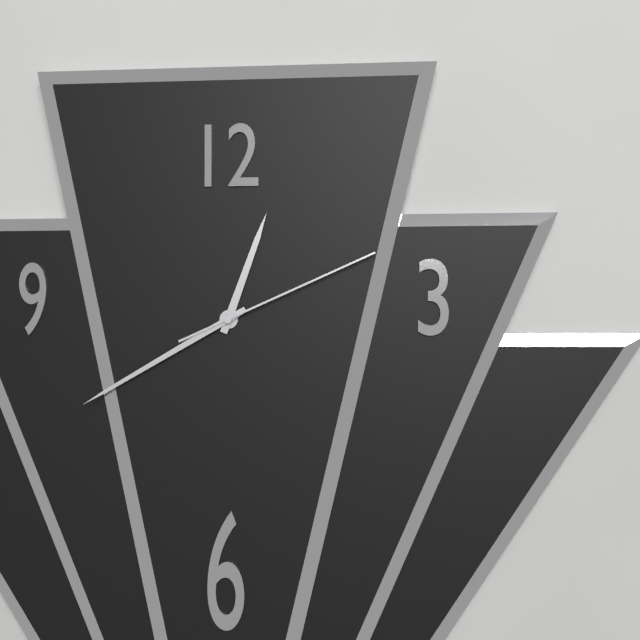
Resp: 12.40.11
